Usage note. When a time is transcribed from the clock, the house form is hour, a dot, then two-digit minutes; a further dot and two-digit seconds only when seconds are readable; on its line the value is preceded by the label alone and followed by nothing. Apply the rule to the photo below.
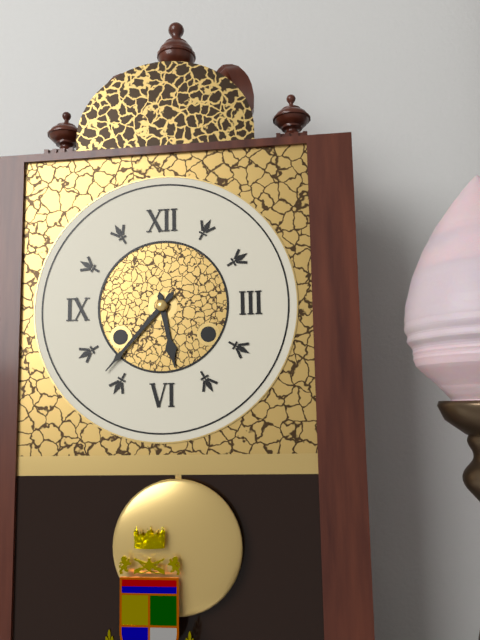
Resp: 5.37
